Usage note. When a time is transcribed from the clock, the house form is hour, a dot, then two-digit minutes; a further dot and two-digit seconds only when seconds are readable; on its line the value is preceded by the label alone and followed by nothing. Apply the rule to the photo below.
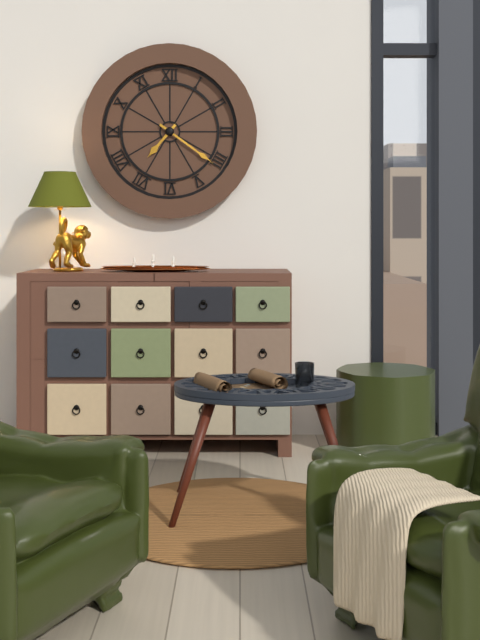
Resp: 7.21
